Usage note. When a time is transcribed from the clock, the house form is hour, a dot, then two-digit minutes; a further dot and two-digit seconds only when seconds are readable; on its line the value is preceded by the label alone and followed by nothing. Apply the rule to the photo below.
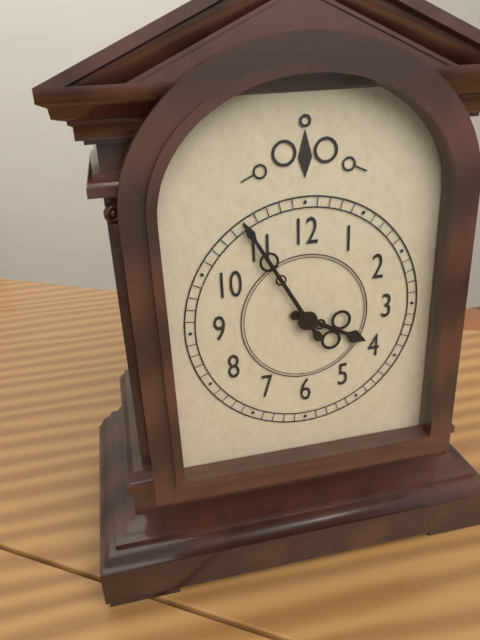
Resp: 3.55
